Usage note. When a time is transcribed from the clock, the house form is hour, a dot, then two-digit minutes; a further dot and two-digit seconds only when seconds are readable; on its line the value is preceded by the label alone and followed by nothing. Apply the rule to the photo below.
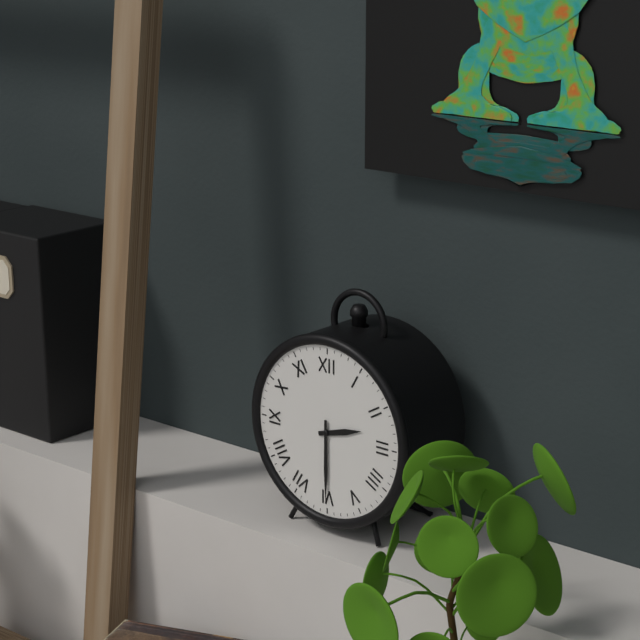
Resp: 2.30
